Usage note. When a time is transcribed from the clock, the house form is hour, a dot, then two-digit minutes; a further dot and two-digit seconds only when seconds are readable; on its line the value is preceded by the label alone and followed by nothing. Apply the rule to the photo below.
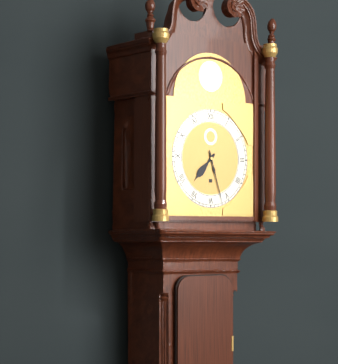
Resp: 7.27
